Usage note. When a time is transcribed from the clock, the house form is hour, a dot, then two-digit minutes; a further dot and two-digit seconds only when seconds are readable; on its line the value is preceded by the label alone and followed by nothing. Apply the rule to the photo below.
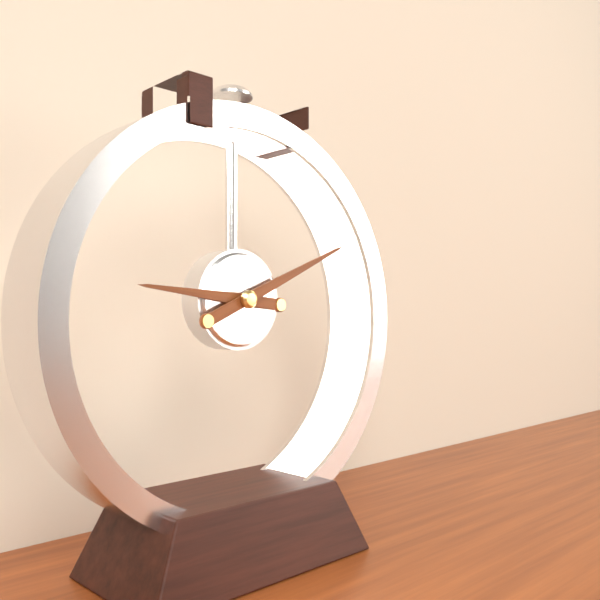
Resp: 9.11
